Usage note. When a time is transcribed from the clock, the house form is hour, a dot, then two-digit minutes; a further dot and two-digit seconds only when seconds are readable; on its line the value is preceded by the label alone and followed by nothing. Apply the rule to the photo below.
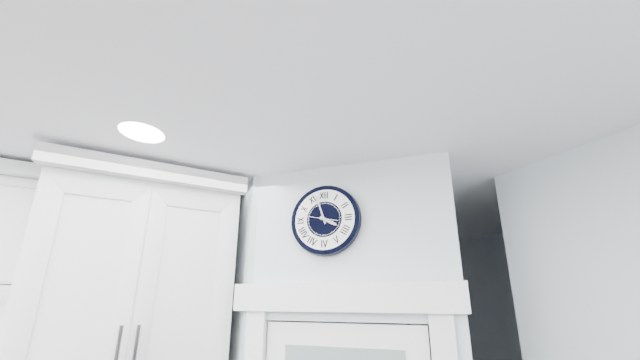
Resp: 3.57
